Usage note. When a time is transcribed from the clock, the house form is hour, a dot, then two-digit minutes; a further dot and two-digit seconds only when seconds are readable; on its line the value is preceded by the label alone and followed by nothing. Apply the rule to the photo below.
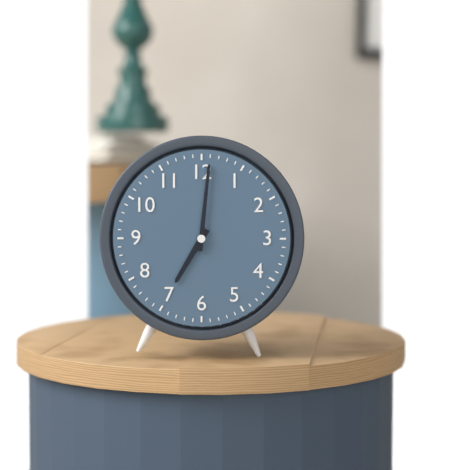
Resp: 7.01
